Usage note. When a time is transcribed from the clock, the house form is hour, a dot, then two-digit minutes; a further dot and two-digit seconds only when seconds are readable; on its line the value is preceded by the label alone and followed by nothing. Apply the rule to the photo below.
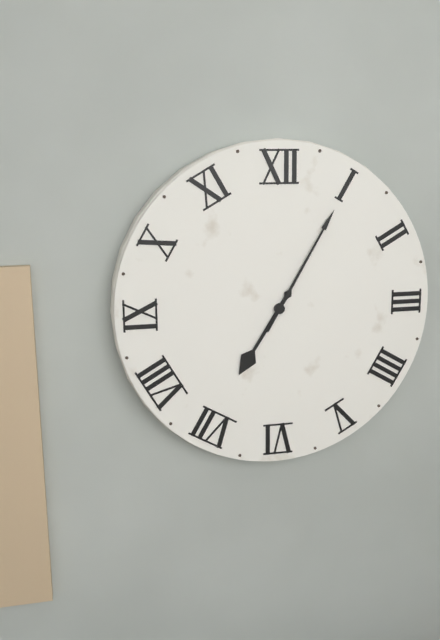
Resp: 7.05
